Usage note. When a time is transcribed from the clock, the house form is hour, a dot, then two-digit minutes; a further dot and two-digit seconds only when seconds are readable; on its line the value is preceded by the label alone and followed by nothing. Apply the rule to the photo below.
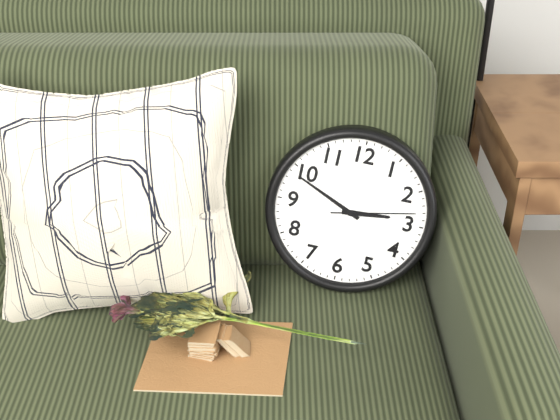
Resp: 2.49.13
